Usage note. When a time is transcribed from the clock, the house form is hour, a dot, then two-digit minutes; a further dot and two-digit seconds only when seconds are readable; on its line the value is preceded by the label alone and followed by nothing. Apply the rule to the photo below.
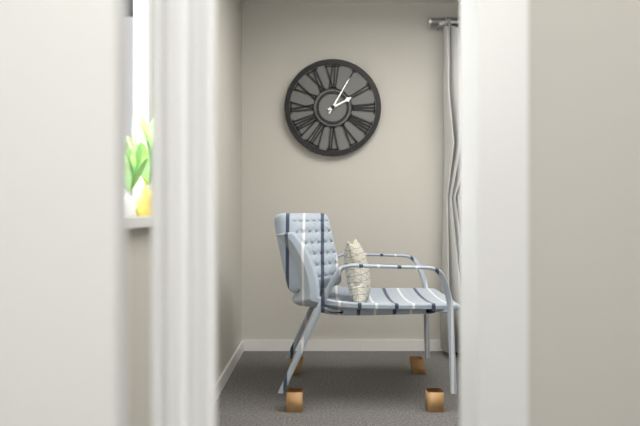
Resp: 2.05
